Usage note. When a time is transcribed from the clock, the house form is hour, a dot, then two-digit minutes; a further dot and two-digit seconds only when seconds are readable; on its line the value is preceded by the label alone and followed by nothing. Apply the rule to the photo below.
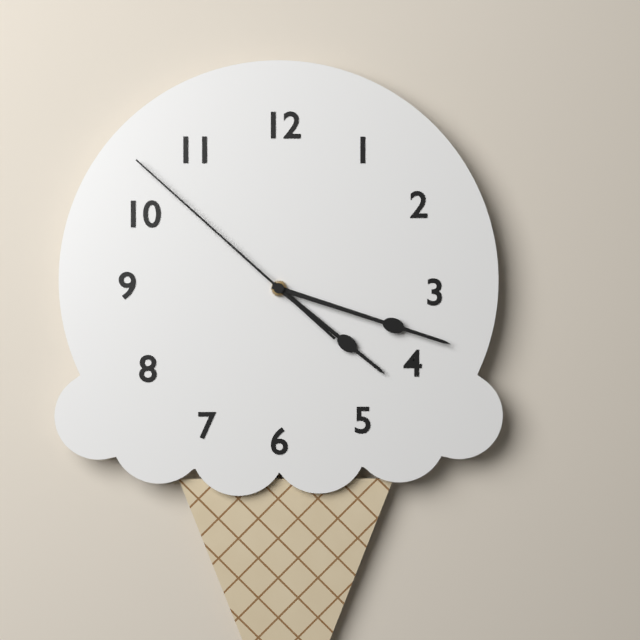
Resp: 4.18.52
